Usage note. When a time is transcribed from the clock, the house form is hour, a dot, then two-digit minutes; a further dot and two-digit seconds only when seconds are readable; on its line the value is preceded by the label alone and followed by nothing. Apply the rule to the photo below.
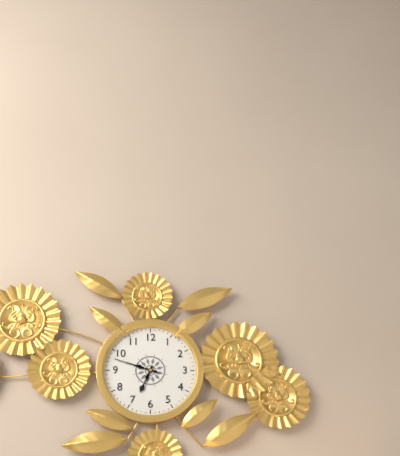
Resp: 6.48
